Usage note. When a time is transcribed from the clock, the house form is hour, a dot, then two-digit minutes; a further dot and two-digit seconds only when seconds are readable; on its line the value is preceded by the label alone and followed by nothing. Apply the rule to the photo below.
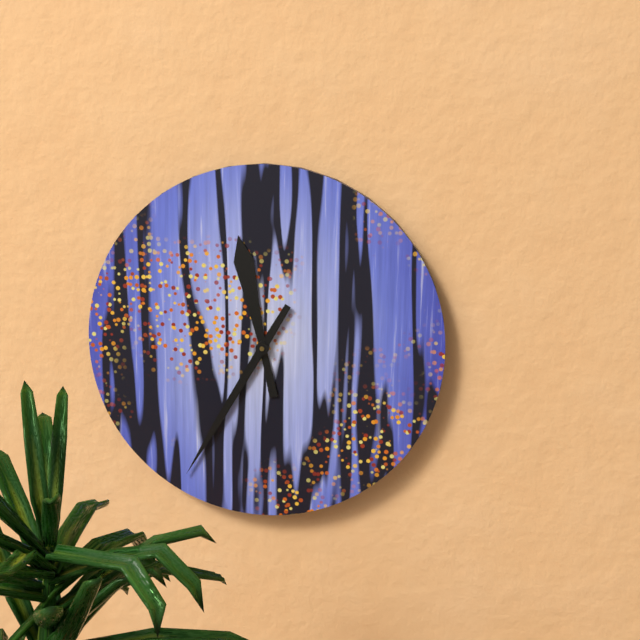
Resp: 11.35
